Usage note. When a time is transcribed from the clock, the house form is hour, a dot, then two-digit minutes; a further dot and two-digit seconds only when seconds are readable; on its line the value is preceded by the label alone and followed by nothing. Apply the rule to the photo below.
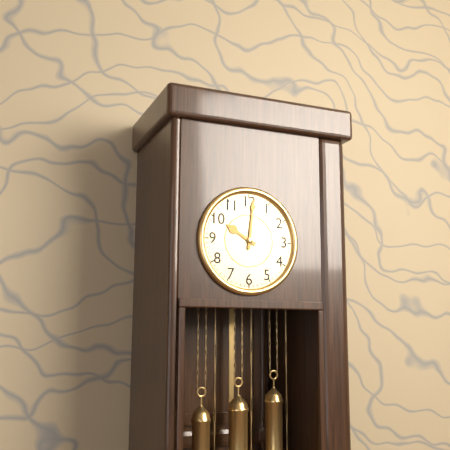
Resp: 10.01
